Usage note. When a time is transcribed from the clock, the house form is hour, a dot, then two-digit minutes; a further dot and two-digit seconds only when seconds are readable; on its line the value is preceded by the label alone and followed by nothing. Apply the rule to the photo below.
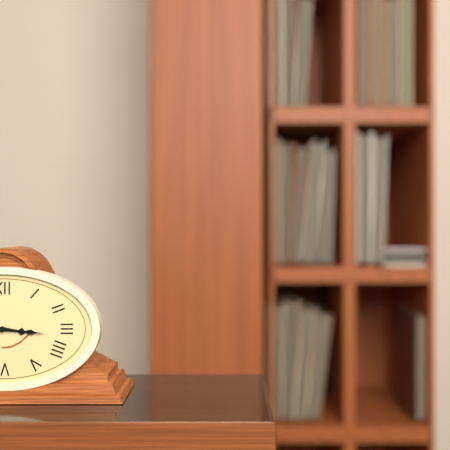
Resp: 3.16
